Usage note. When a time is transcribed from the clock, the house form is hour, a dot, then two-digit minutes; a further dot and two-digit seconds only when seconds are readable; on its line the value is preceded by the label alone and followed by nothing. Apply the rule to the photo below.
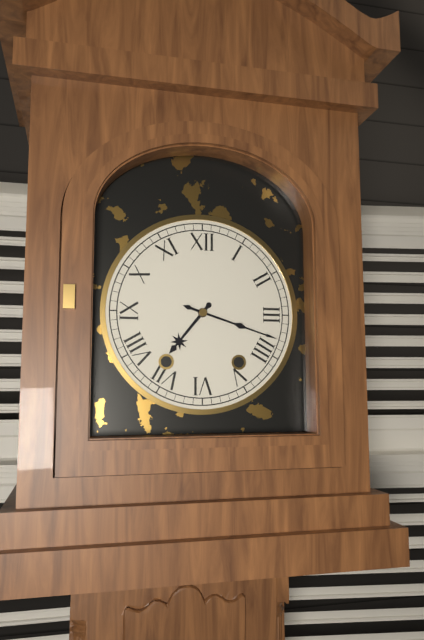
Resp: 7.18
